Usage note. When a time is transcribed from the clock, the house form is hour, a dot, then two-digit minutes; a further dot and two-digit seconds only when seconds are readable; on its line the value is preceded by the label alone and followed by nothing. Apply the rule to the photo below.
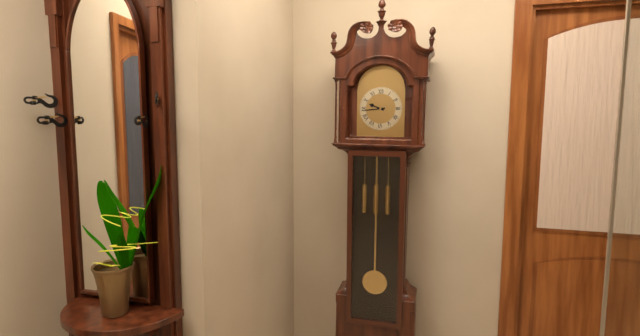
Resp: 9.44
